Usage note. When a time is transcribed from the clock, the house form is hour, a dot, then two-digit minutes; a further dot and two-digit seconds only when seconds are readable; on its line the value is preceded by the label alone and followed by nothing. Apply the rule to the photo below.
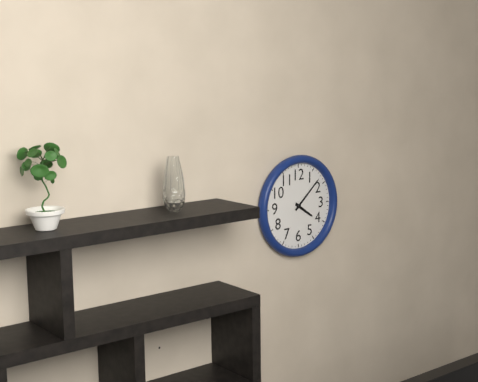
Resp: 4.08
